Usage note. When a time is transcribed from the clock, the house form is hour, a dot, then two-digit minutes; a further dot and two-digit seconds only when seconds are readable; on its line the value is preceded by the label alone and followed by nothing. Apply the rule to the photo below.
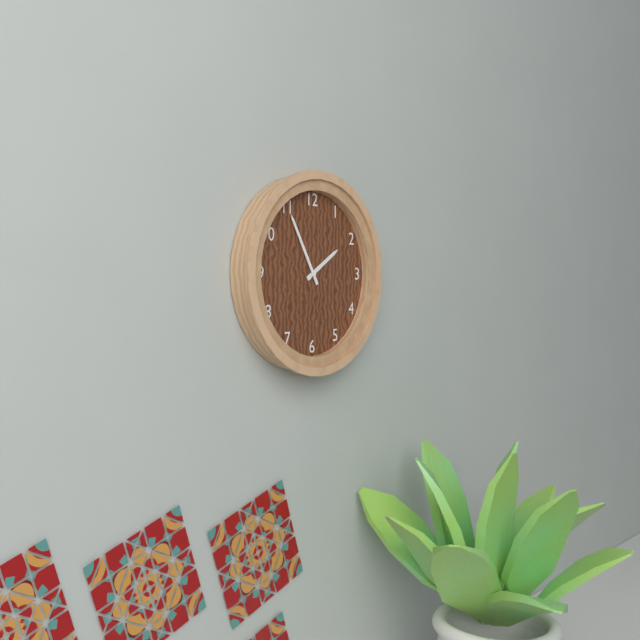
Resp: 1.55
